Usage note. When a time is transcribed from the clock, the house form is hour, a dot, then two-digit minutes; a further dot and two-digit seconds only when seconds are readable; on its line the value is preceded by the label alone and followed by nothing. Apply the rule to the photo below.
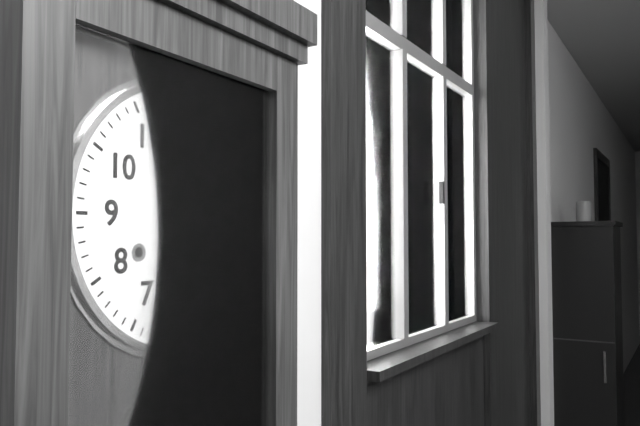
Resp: 12.58
